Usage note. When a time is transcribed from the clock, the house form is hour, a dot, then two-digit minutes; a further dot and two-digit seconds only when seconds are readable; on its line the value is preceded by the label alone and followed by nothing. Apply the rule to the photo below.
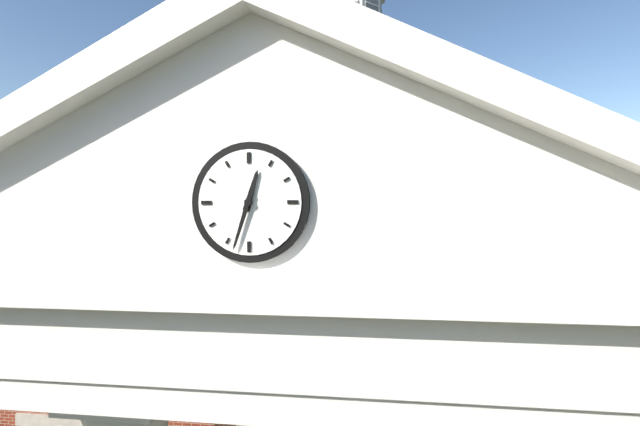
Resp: 12.33
